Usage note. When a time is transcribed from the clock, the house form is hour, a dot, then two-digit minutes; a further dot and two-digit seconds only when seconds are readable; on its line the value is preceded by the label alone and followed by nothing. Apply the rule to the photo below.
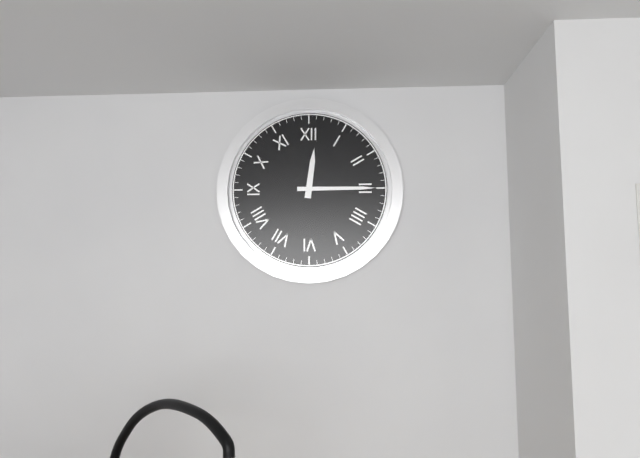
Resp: 12.15
